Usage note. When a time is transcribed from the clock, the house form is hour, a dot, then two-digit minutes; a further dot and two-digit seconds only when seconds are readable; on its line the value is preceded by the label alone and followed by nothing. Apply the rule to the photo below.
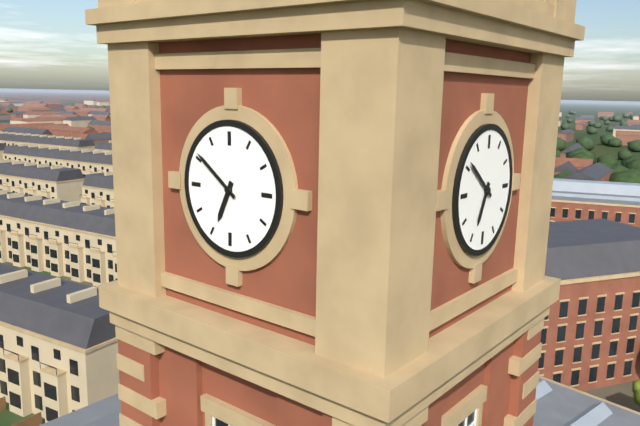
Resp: 6.51
